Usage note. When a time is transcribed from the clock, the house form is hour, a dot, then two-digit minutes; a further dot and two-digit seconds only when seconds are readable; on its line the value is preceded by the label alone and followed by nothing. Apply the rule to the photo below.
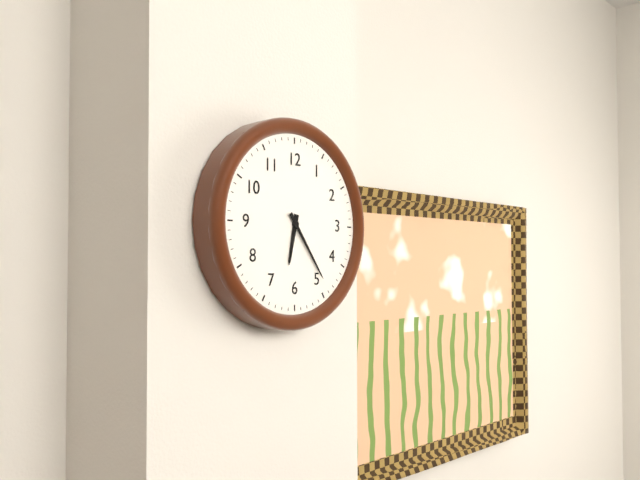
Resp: 6.24
